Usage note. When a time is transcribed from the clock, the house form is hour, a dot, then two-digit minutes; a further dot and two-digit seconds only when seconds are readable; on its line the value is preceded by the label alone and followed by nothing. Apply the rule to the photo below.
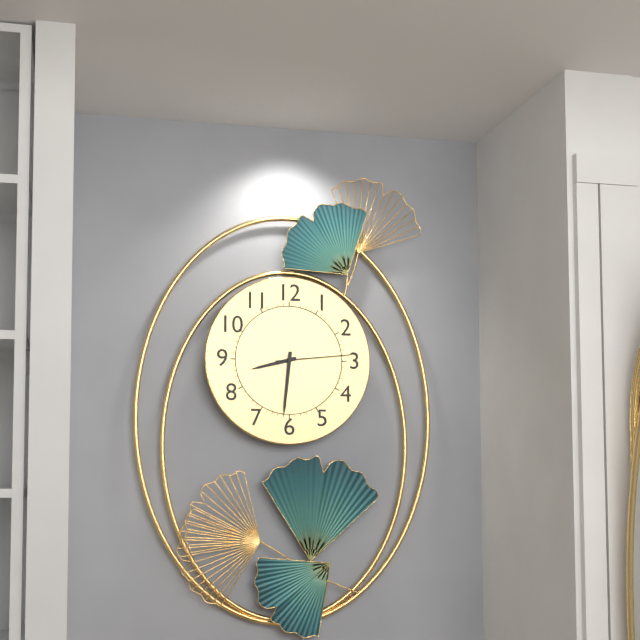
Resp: 8.31.14
